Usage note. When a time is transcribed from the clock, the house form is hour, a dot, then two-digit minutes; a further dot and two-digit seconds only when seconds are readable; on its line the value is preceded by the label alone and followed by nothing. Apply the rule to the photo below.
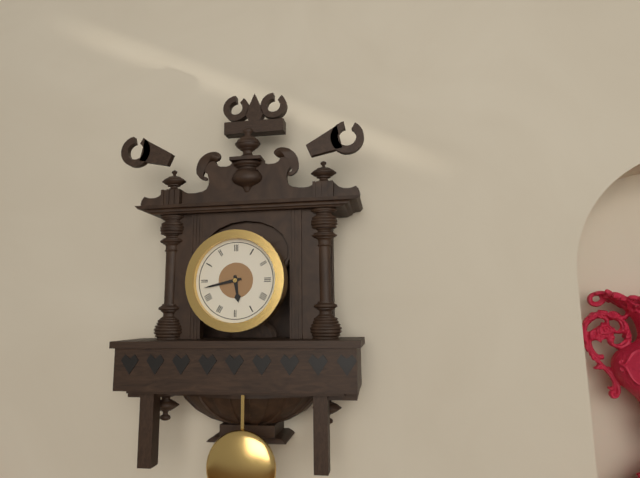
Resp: 5.43
